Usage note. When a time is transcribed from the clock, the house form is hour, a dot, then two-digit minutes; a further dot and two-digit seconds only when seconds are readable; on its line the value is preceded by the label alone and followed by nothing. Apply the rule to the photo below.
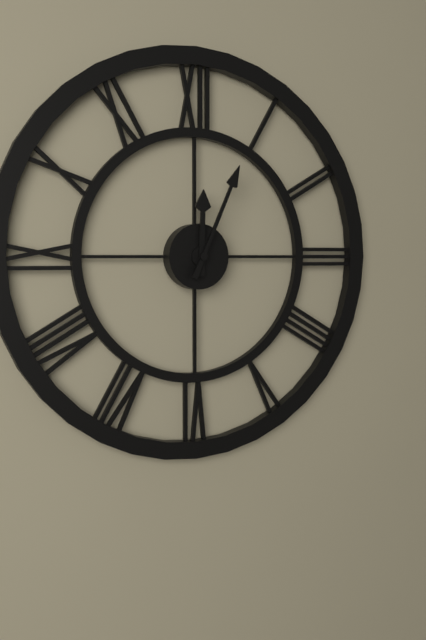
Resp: 12.04
